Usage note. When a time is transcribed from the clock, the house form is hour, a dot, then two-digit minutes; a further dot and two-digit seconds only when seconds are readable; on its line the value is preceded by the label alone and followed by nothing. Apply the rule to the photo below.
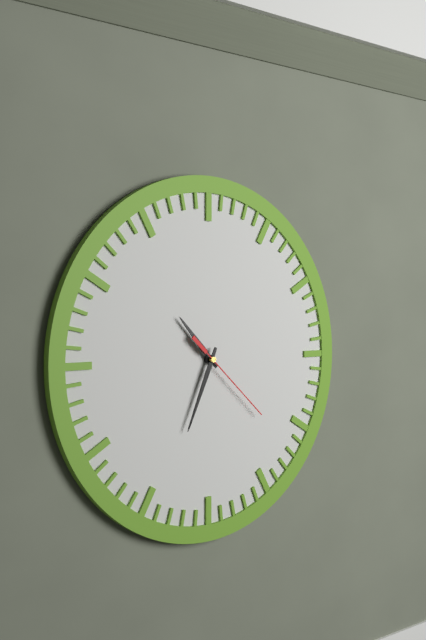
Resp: 10.34.22
